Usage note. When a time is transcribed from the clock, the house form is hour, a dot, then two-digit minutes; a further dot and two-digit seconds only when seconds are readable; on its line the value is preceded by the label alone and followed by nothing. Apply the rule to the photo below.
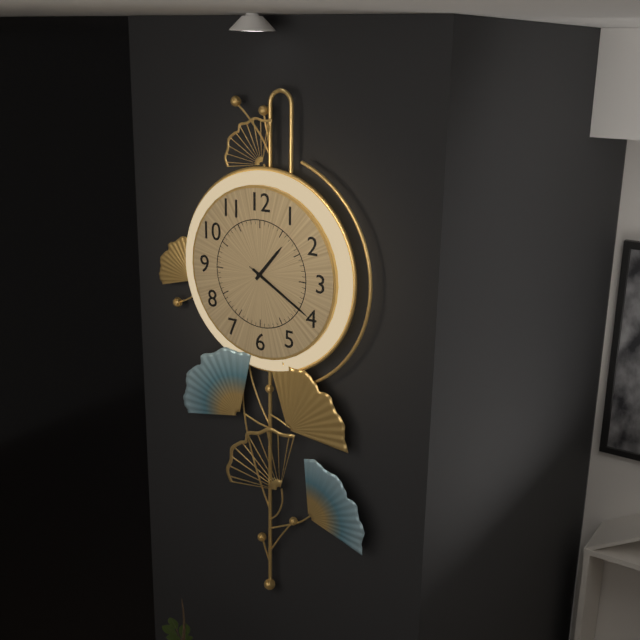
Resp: 1.20.20
